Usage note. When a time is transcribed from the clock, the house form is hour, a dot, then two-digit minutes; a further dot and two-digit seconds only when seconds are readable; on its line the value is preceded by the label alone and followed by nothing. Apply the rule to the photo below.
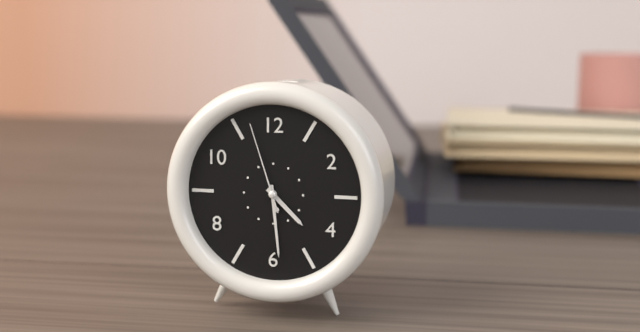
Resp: 4.29.57
